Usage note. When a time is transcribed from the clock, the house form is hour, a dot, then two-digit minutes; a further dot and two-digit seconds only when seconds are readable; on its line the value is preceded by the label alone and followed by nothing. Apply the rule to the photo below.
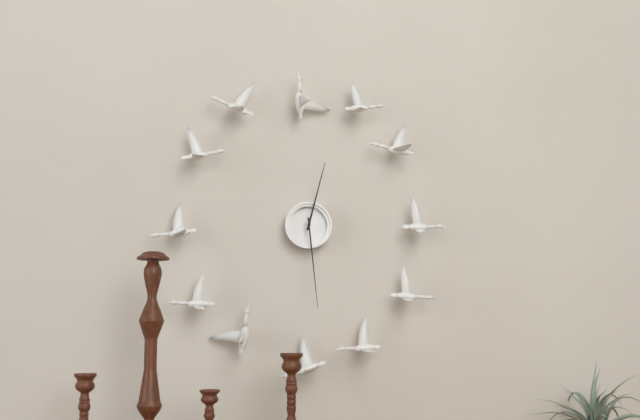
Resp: 12.29
